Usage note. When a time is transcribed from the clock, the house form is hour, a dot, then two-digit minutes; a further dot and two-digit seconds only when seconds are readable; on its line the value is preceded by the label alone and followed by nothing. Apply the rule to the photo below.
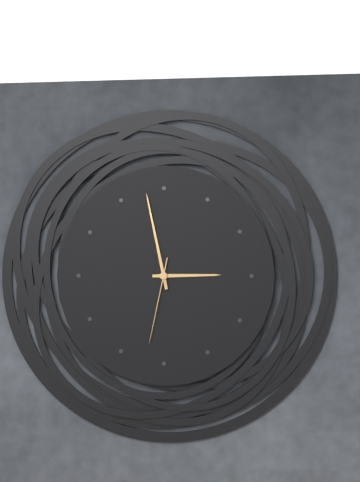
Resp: 2.58.32
